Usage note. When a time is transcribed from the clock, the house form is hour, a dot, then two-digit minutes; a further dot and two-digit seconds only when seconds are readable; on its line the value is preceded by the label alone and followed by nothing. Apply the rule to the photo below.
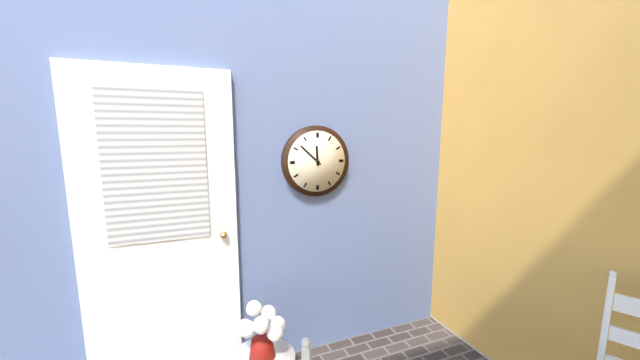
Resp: 11.52
